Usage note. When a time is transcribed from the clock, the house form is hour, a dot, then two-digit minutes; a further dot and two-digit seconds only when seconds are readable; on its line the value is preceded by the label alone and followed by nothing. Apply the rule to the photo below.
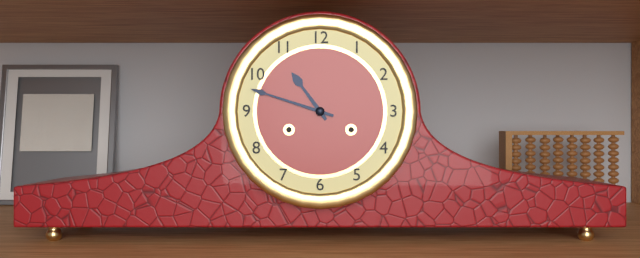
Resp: 10.48
